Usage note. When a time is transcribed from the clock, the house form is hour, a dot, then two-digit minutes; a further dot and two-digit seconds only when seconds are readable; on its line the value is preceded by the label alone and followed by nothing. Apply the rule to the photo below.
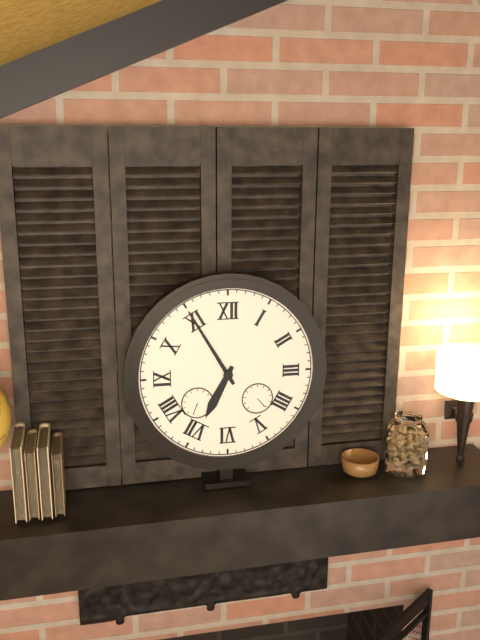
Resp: 6.55
